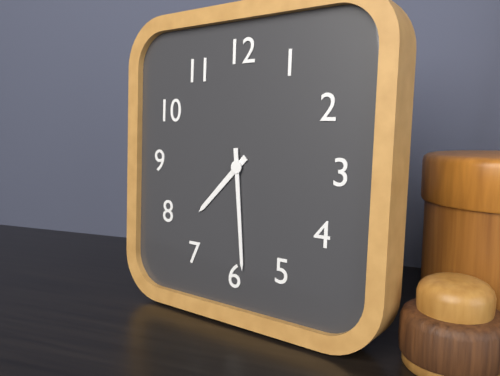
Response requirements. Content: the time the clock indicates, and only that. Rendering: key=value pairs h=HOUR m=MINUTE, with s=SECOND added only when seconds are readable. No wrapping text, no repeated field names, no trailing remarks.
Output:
h=7 m=29
